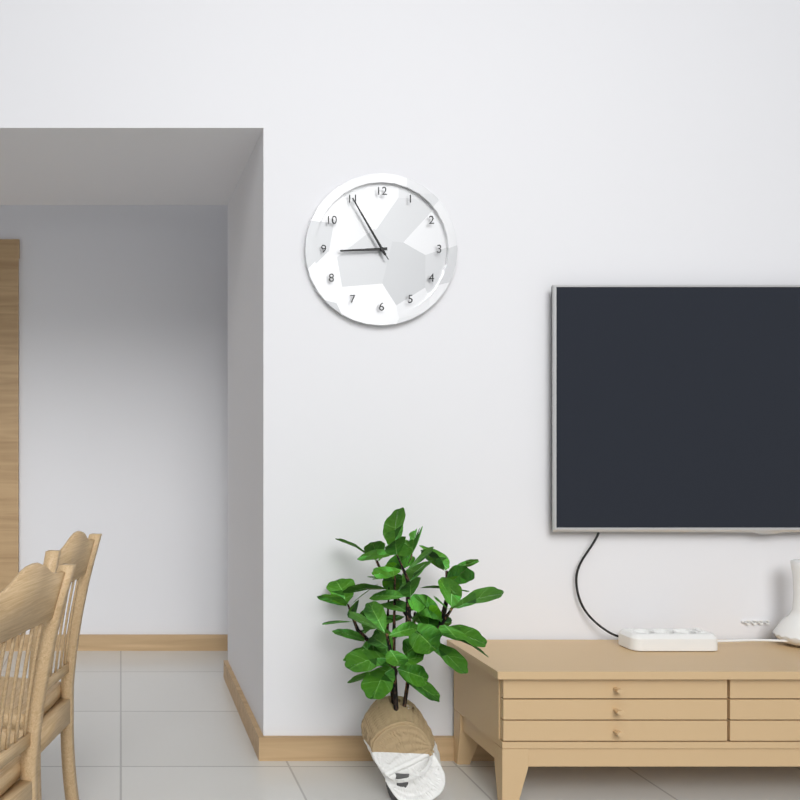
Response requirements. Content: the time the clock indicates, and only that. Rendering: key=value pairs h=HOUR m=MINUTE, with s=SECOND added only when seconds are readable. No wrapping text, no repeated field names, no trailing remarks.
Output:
h=8 m=55 s=55
